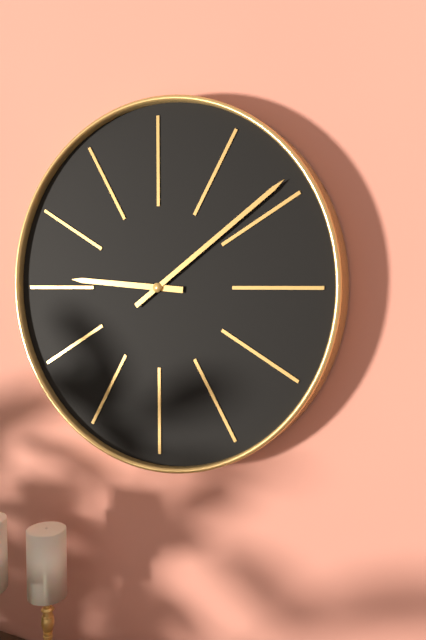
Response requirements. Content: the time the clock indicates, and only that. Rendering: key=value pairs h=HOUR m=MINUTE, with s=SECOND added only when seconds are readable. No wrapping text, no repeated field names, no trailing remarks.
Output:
h=9 m=9
